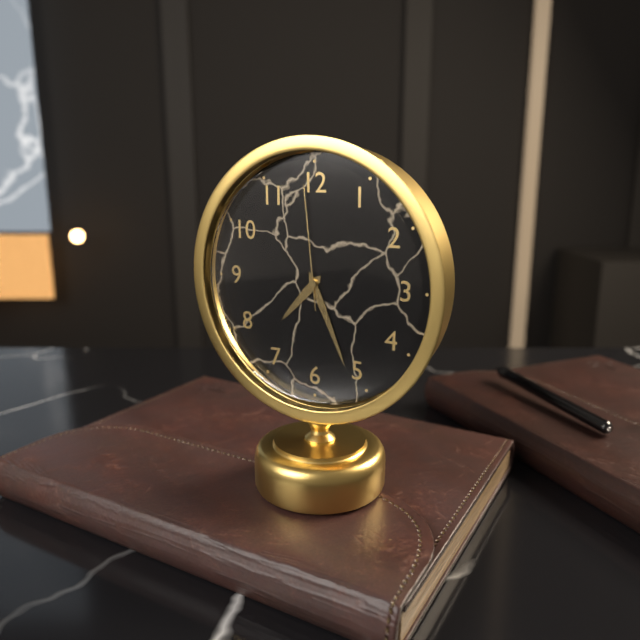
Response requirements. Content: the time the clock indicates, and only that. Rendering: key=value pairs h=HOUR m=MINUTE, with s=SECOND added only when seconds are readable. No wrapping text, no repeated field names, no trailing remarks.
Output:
h=7 m=26 s=59
